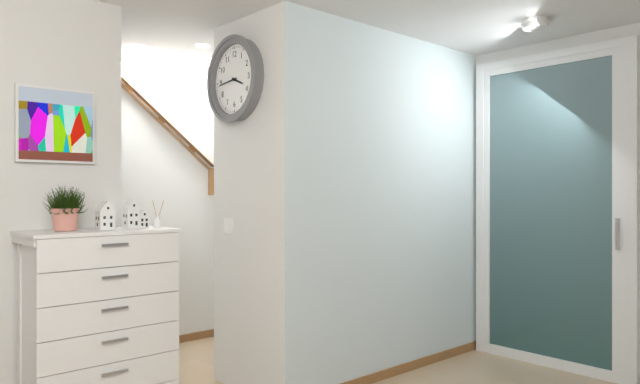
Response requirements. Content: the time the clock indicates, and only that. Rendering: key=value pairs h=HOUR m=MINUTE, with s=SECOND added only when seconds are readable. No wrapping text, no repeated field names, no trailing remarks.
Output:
h=3 m=44
